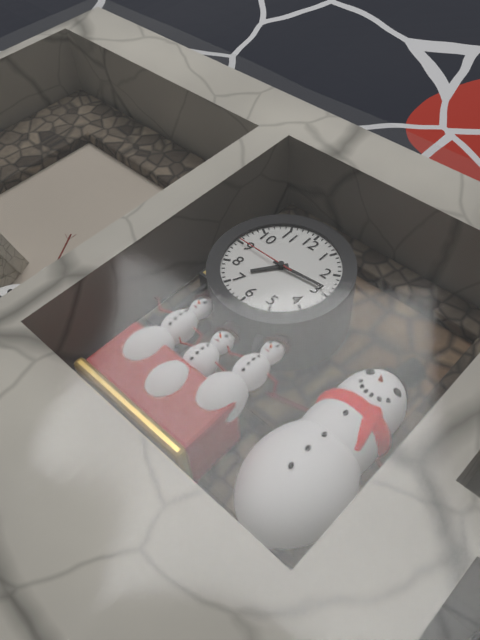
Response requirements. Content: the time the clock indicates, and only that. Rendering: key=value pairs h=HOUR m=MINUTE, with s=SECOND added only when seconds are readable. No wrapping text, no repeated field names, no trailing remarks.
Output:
h=7 m=14 s=45
